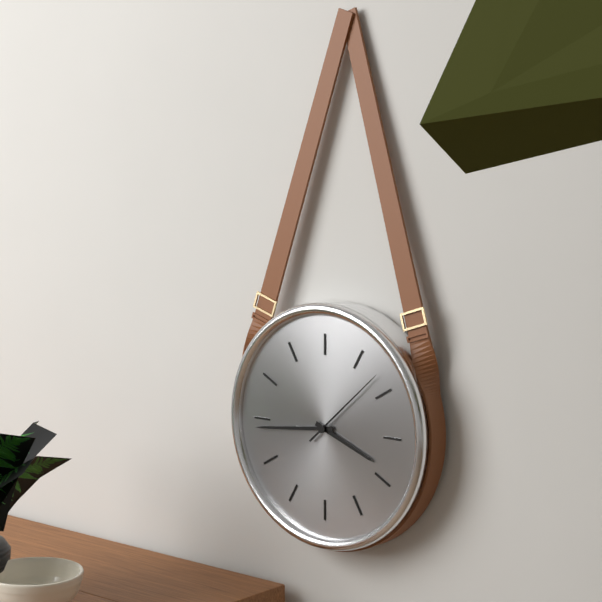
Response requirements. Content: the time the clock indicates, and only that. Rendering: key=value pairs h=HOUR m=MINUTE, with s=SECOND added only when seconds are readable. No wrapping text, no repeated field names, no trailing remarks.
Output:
h=3 m=44 s=8
